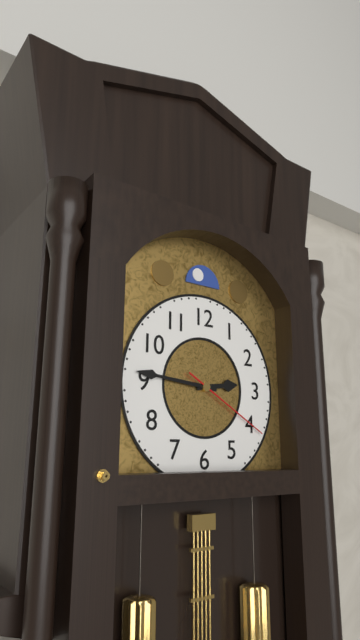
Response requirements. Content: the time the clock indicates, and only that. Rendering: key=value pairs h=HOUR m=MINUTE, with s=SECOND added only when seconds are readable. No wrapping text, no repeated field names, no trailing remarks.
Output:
h=2 m=46 s=20
